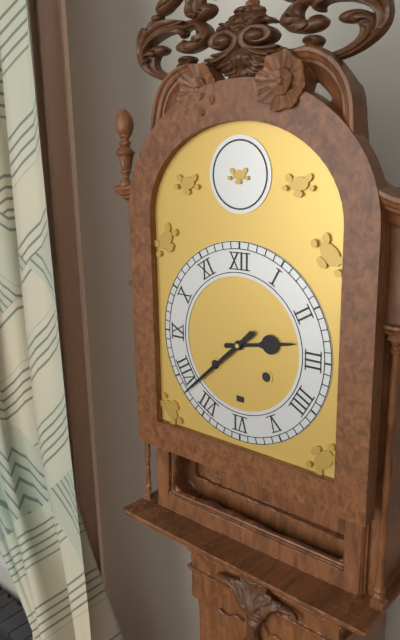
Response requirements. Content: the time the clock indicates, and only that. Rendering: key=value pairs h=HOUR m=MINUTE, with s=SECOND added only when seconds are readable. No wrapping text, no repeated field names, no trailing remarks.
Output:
h=2 m=38
